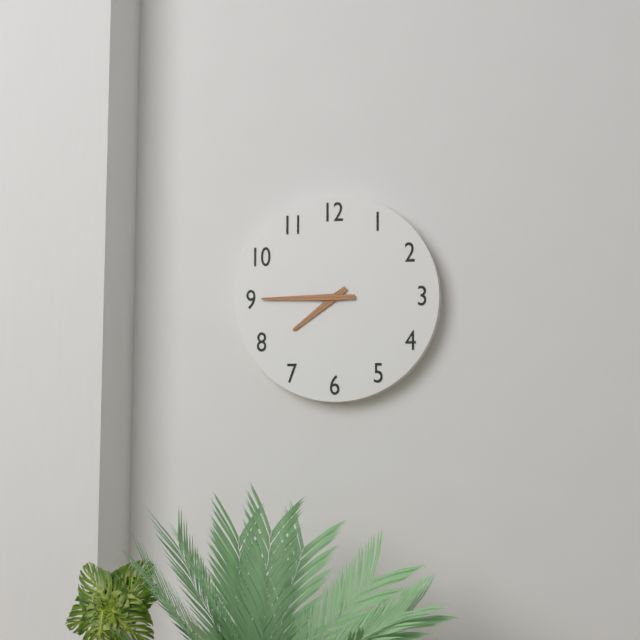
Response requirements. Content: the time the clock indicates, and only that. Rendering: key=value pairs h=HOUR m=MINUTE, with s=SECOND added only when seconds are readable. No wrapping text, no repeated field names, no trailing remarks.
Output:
h=7 m=45
